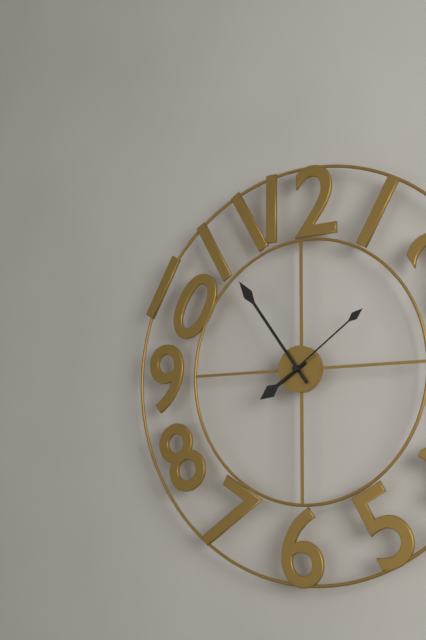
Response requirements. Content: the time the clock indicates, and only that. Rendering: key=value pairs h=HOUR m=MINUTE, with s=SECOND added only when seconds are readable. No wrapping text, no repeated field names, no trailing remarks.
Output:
h=7 m=54 s=9
